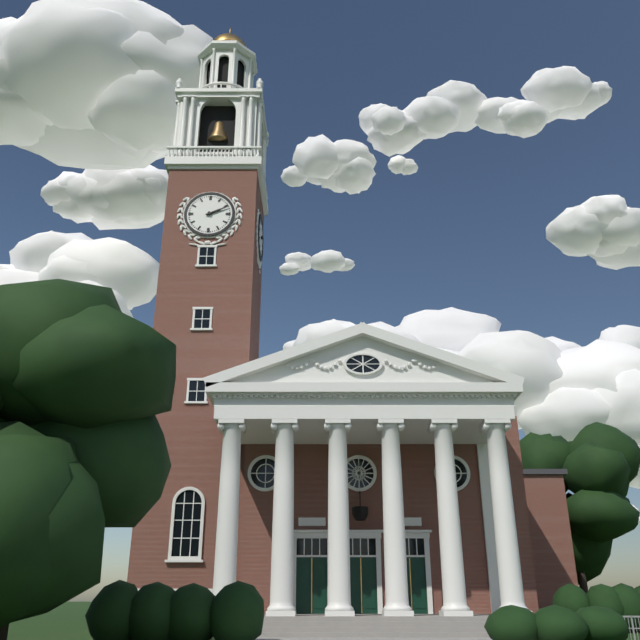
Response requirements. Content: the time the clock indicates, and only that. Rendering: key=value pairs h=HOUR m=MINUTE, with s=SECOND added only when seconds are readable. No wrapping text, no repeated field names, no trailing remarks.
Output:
h=2 m=11
